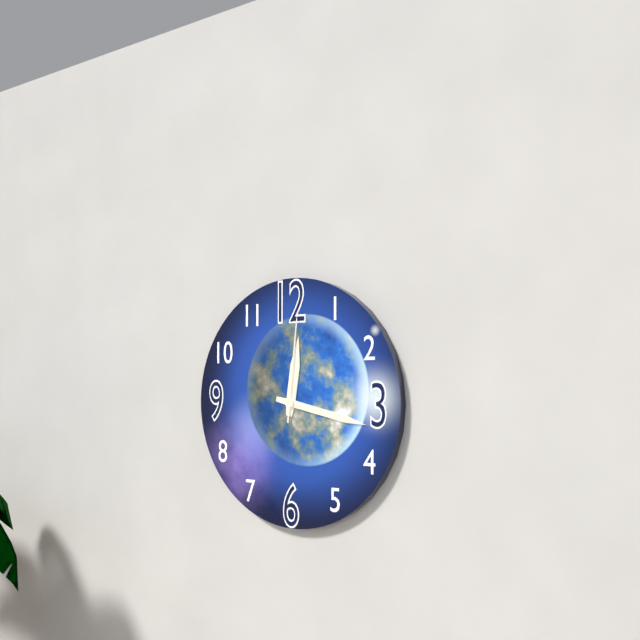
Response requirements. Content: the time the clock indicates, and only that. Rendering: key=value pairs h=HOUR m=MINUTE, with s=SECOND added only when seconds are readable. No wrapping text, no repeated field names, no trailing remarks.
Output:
h=12 m=17 s=1
